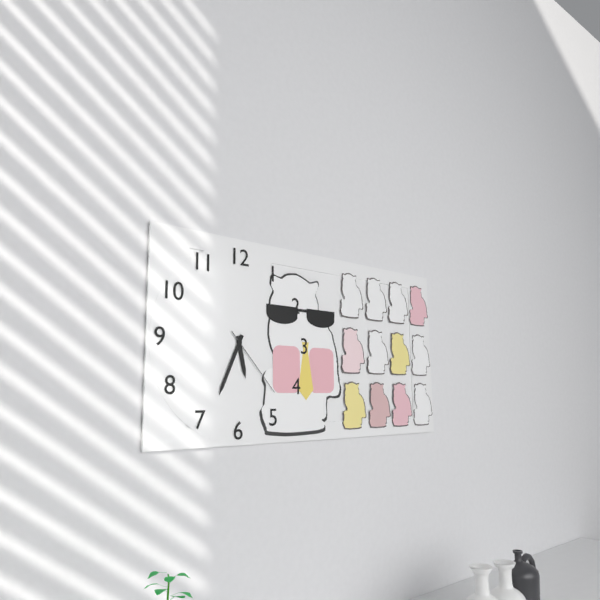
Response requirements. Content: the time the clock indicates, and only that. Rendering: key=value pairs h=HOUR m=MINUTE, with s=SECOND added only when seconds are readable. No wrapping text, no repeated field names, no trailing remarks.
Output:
h=5 m=34 s=23
